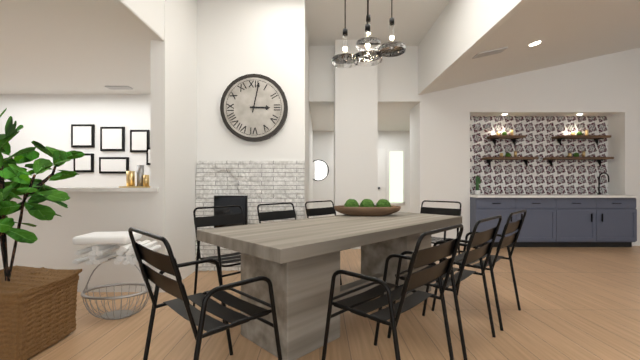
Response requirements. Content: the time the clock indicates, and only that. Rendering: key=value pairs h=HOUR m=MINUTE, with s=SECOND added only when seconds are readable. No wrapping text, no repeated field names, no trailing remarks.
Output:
h=3 m=2
